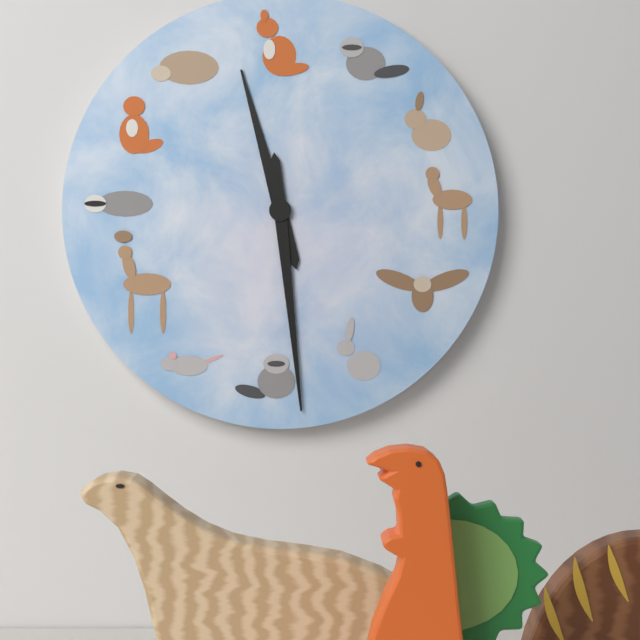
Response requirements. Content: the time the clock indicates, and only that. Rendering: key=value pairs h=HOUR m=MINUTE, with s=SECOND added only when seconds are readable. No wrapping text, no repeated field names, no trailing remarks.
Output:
h=11 m=29
